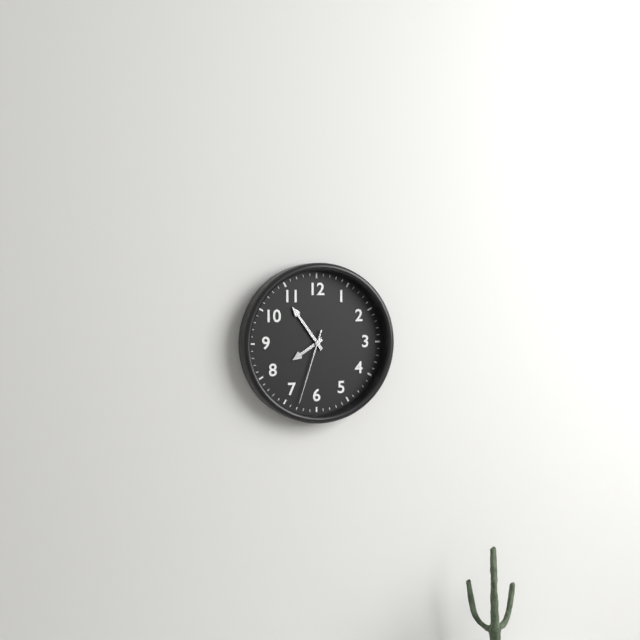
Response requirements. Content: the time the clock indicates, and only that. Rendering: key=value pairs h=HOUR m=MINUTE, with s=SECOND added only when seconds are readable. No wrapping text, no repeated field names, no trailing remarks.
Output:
h=7 m=54 s=33
